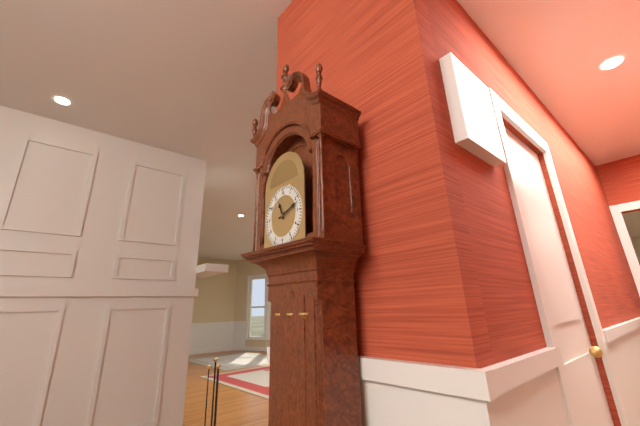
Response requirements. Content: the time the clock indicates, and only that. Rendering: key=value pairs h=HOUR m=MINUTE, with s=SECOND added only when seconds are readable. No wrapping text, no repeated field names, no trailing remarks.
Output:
h=11 m=12
